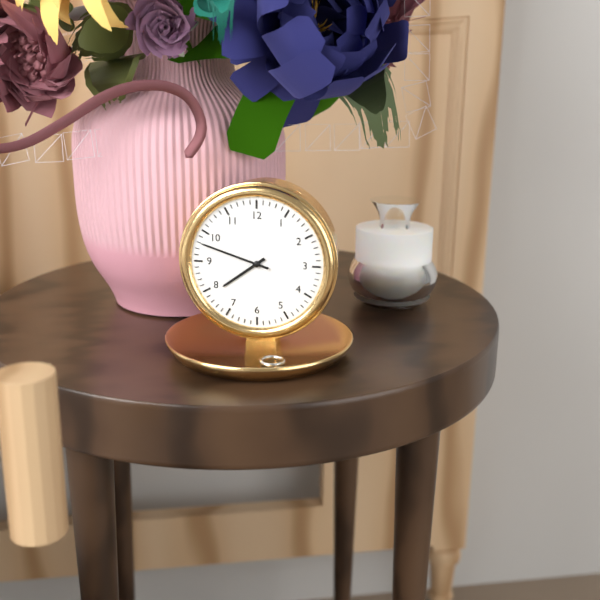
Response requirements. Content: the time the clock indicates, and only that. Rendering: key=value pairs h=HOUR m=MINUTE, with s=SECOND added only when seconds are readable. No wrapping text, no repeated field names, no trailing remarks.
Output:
h=7 m=48
